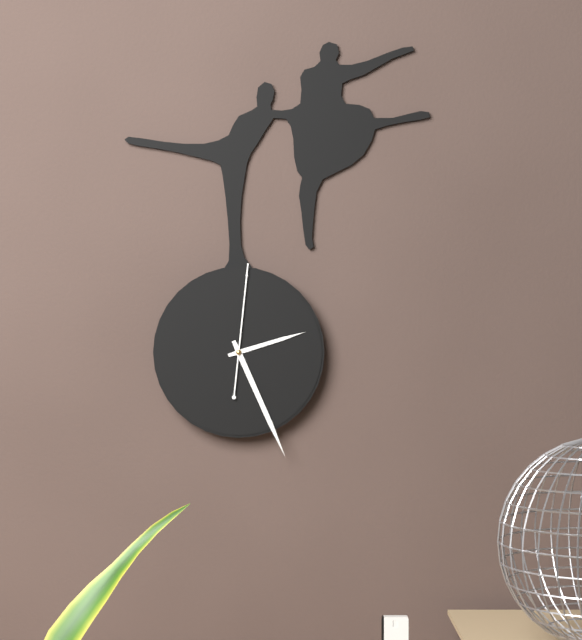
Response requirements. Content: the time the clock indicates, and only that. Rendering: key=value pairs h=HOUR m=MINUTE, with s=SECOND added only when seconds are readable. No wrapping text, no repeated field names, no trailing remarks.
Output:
h=2 m=26 s=1
